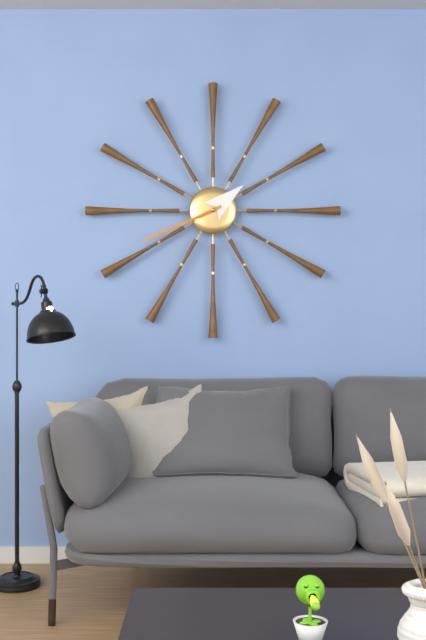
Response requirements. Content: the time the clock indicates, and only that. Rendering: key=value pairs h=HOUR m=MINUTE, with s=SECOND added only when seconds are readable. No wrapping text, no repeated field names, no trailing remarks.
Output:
h=1 m=41
